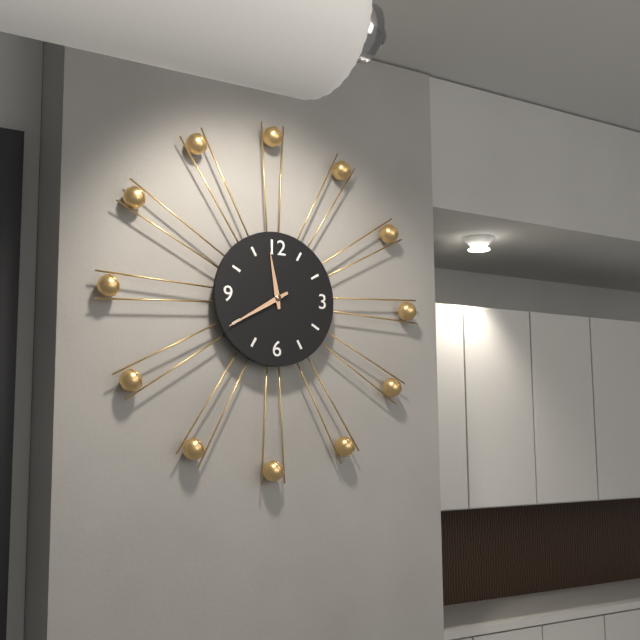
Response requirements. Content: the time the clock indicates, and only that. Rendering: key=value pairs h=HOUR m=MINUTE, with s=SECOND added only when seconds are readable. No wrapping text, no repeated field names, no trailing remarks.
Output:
h=11 m=40
